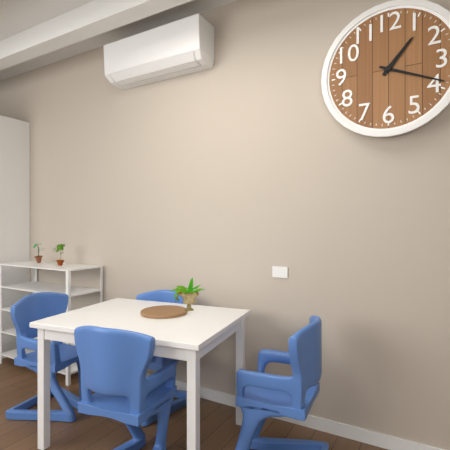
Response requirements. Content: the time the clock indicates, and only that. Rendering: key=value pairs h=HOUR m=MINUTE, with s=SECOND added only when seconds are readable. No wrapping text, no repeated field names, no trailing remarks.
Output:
h=1 m=19
